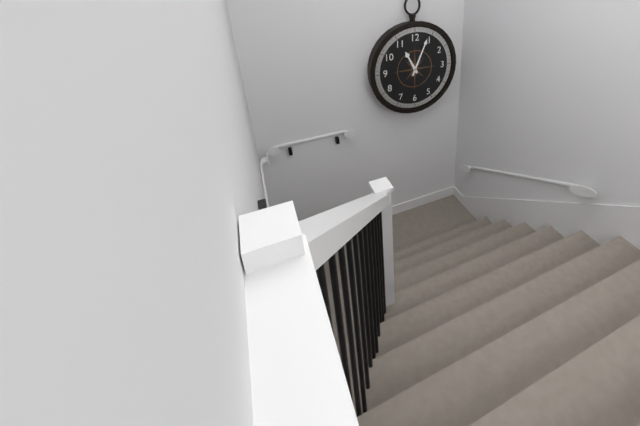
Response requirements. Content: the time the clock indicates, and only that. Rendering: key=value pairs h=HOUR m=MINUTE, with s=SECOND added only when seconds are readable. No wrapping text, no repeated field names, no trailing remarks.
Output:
h=11 m=4
